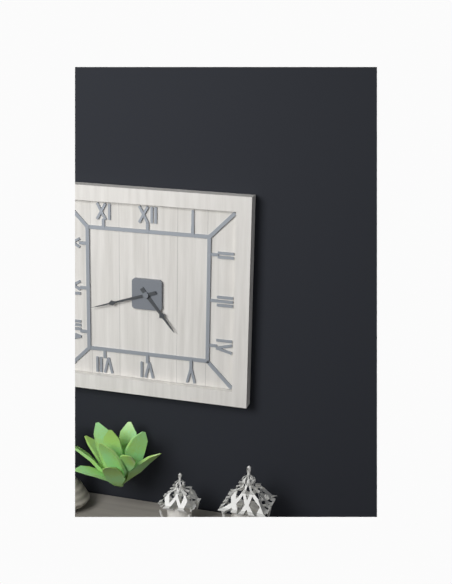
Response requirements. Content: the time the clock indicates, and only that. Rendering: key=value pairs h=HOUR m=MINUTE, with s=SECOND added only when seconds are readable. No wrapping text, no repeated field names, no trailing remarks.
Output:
h=4 m=42
